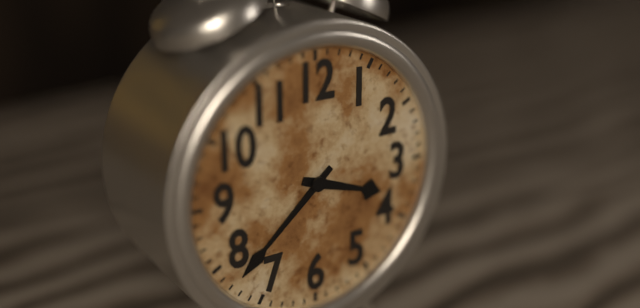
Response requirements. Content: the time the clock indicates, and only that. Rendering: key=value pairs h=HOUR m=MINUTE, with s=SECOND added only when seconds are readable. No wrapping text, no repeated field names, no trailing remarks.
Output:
h=3 m=38
